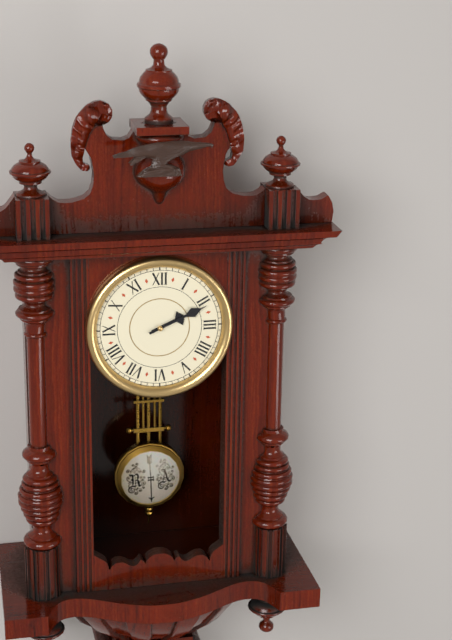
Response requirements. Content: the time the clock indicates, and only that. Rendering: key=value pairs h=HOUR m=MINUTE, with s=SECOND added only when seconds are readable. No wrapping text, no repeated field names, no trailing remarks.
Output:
h=2 m=11
